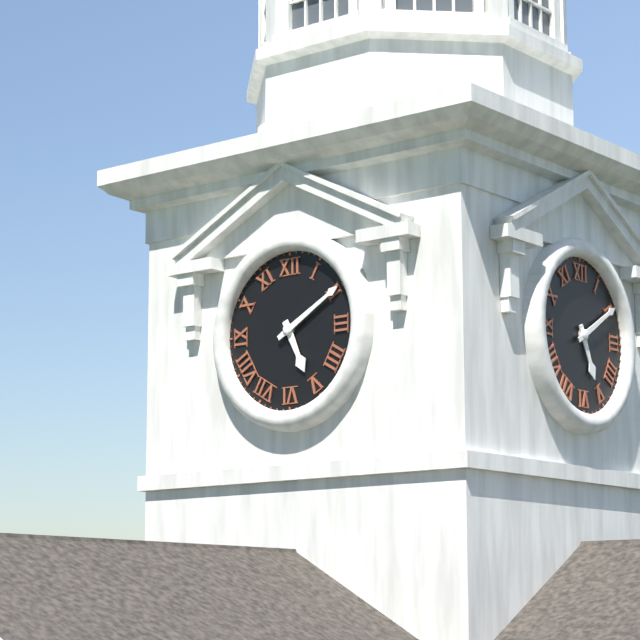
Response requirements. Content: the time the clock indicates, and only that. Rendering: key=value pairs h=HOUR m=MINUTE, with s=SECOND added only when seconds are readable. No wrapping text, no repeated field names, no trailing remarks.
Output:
h=5 m=10
